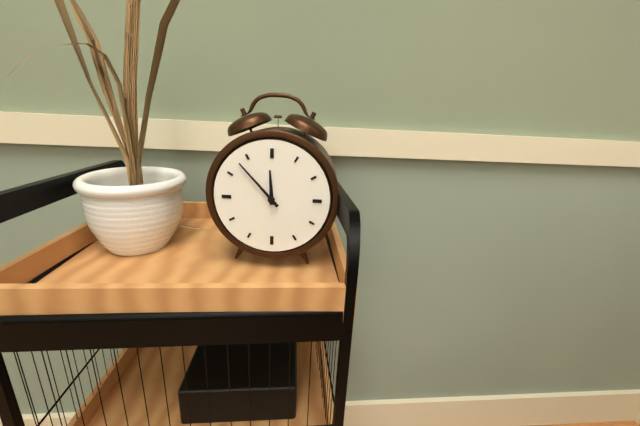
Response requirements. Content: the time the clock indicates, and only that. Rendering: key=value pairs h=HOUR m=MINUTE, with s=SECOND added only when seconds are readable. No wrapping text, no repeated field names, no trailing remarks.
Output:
h=11 m=53
